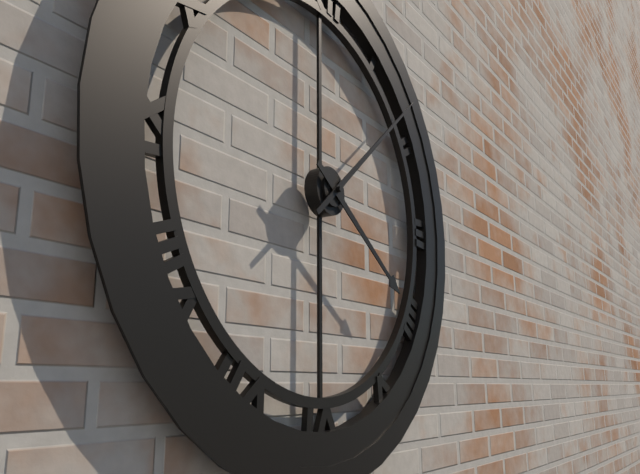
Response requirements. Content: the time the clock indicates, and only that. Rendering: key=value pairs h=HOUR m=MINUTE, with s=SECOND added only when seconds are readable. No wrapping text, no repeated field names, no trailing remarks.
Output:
h=4 m=8
